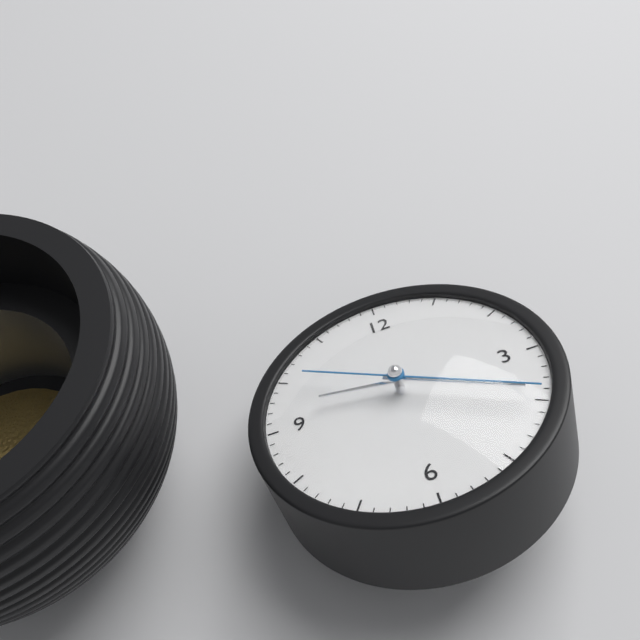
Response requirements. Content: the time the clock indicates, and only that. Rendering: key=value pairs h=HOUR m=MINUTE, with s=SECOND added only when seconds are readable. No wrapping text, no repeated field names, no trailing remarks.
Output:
h=9 m=20 s=20
